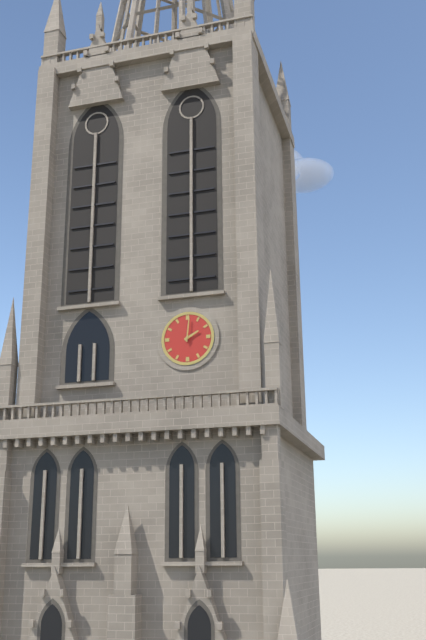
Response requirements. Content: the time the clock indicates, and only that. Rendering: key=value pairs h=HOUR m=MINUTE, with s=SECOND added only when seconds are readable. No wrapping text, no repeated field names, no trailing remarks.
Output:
h=2 m=1
